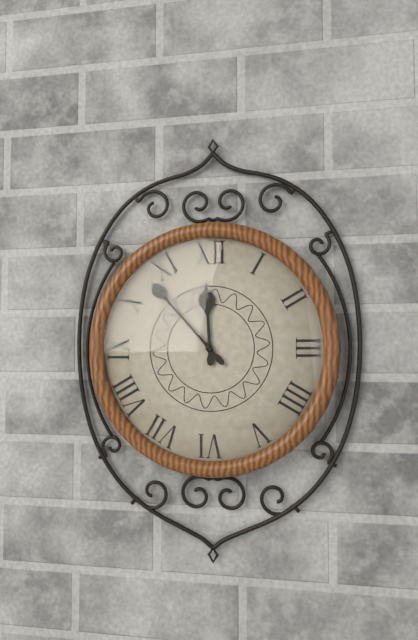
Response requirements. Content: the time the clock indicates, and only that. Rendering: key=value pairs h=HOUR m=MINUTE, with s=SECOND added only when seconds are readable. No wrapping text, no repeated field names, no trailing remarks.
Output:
h=11 m=53
